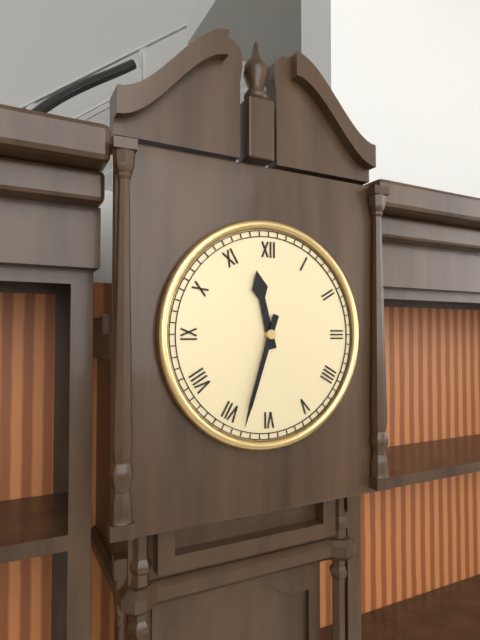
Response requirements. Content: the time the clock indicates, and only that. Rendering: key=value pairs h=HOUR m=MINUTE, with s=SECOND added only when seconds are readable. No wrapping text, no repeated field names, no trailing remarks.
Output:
h=11 m=33
